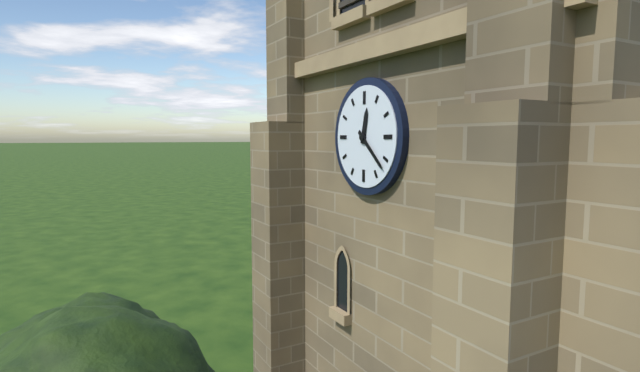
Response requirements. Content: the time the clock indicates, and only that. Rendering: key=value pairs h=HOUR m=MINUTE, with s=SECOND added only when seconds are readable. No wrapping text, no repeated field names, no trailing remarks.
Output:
h=12 m=22
